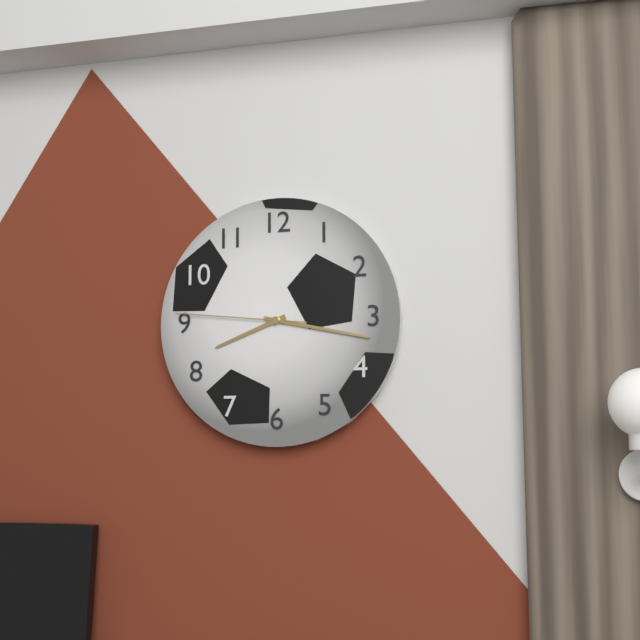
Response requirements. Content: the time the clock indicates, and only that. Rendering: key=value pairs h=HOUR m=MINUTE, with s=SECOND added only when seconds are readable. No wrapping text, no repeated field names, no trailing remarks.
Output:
h=8 m=17 s=46
